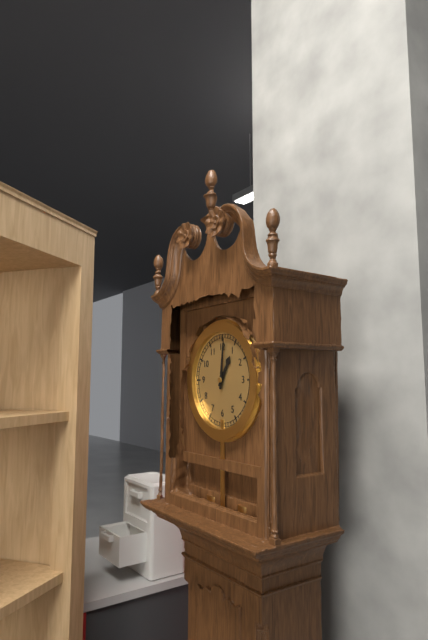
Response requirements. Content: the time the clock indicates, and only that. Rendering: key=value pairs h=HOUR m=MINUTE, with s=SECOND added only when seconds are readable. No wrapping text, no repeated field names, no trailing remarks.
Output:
h=1 m=1
